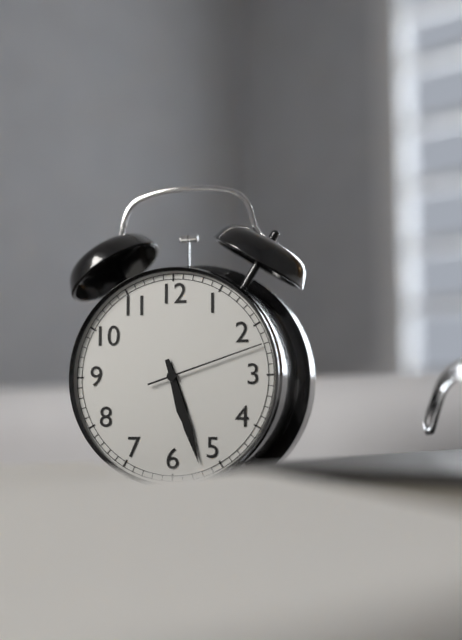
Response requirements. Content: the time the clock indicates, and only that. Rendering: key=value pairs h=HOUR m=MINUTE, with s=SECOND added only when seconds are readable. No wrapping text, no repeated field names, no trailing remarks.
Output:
h=5 m=27 s=12
